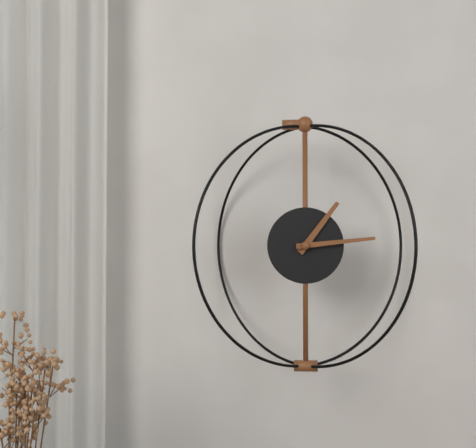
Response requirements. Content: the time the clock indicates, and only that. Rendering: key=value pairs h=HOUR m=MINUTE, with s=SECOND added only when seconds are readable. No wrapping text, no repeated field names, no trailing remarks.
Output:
h=1 m=14
